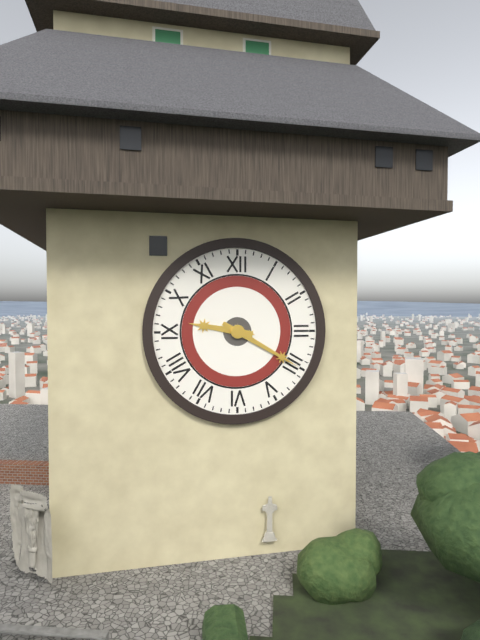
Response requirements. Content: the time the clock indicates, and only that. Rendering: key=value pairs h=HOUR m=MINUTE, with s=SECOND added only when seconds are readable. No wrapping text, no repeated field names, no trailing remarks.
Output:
h=9 m=20
